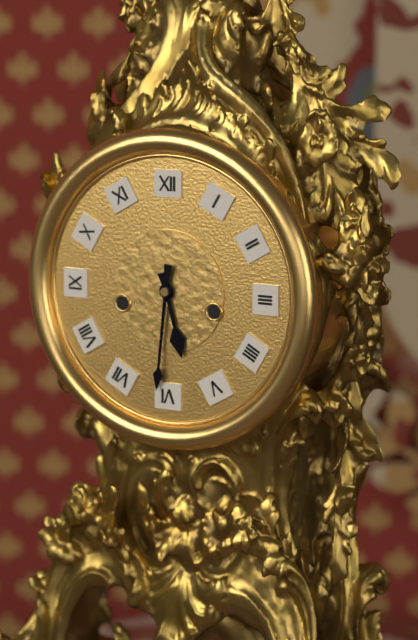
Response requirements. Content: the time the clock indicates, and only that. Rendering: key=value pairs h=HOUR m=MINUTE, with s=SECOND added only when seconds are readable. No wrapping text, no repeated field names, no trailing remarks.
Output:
h=5 m=31
